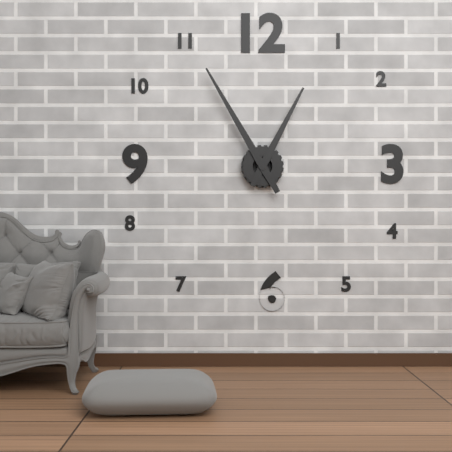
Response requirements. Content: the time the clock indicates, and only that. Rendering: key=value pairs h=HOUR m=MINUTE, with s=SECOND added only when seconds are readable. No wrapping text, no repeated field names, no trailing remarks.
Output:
h=12 m=55
